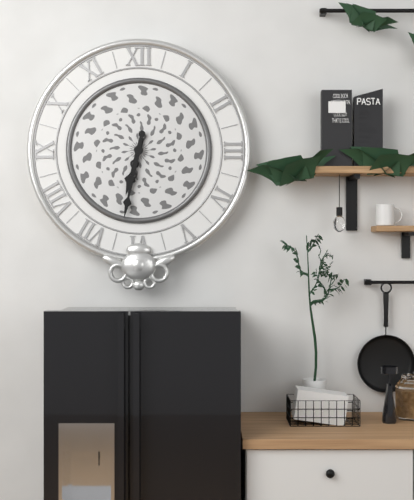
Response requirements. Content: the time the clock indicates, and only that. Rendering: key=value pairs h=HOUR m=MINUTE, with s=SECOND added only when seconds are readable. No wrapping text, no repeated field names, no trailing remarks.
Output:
h=6 m=32
